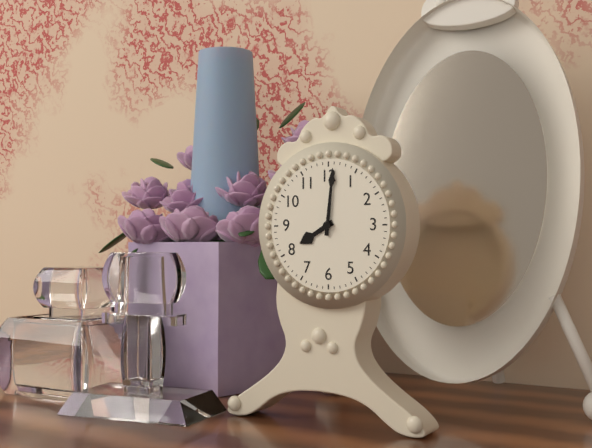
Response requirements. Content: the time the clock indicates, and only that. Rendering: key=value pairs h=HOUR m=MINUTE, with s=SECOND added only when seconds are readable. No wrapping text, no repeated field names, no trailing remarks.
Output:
h=8 m=1
